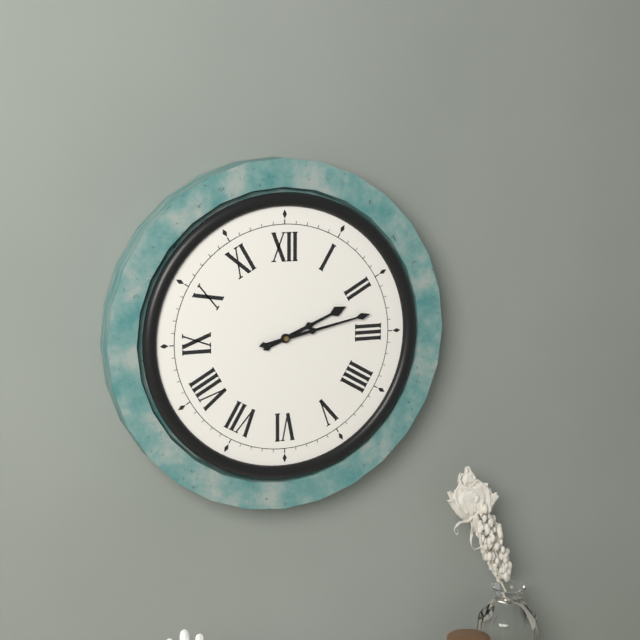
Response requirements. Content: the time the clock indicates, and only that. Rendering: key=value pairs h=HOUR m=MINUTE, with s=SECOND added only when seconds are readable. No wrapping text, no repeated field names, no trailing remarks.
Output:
h=2 m=13
